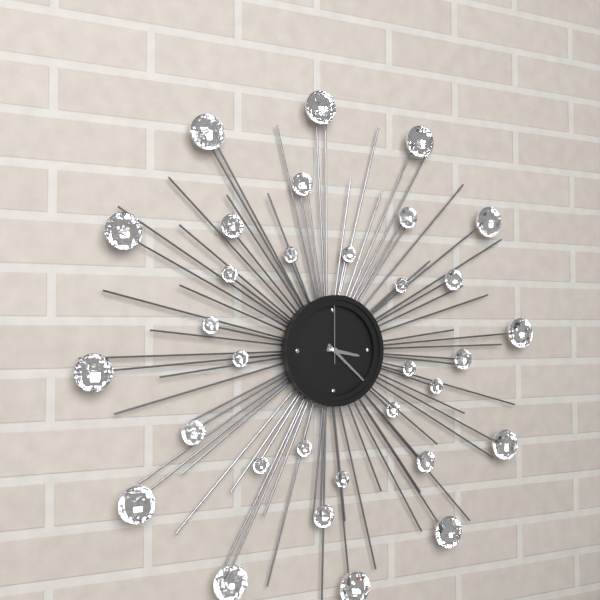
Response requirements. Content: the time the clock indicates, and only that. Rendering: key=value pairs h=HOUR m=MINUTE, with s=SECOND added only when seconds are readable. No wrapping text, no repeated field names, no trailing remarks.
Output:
h=3 m=22 s=0
